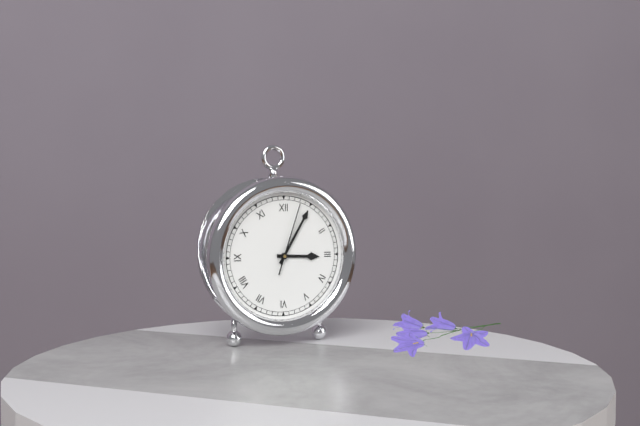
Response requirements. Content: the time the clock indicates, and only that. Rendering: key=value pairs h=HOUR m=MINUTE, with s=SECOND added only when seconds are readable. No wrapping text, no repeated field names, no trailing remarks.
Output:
h=3 m=5 s=3
